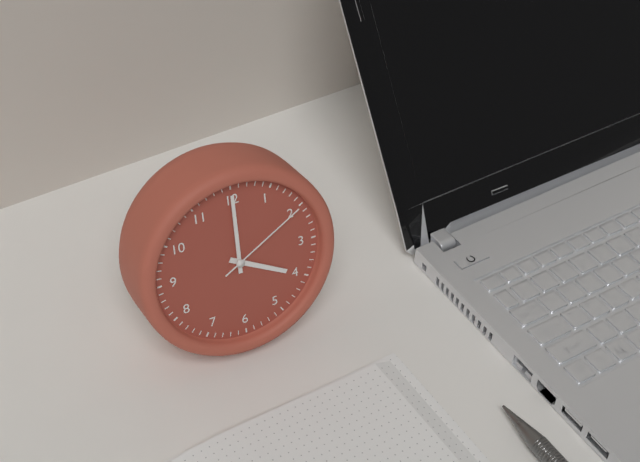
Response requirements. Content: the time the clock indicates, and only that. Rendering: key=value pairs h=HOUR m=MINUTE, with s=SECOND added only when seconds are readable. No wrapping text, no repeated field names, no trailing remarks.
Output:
h=4 m=0 s=10
